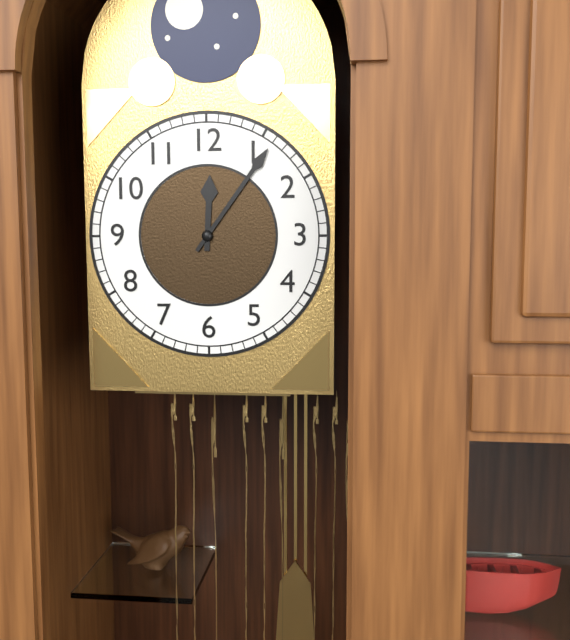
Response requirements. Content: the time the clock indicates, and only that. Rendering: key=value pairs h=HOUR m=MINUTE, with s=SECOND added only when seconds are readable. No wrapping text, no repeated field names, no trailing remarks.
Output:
h=12 m=6
